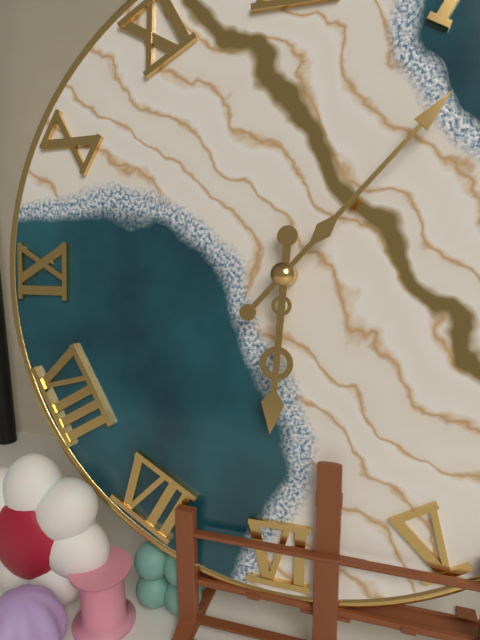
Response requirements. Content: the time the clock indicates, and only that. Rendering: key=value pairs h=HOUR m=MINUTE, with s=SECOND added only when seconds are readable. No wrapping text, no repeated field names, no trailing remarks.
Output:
h=6 m=7
